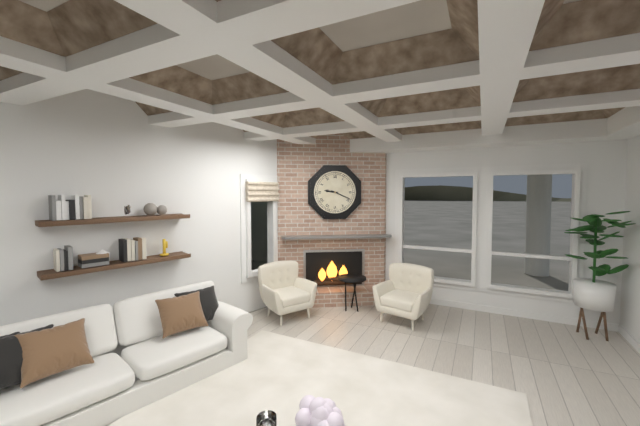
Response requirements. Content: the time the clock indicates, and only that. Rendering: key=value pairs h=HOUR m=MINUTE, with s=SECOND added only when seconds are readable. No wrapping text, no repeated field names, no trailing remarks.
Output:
h=9 m=19
